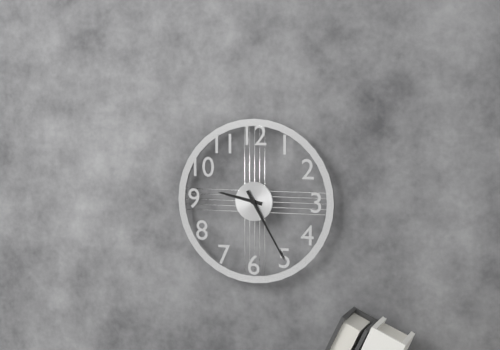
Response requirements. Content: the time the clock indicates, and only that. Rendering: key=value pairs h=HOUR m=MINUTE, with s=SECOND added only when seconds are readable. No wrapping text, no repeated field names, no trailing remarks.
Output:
h=9 m=25
